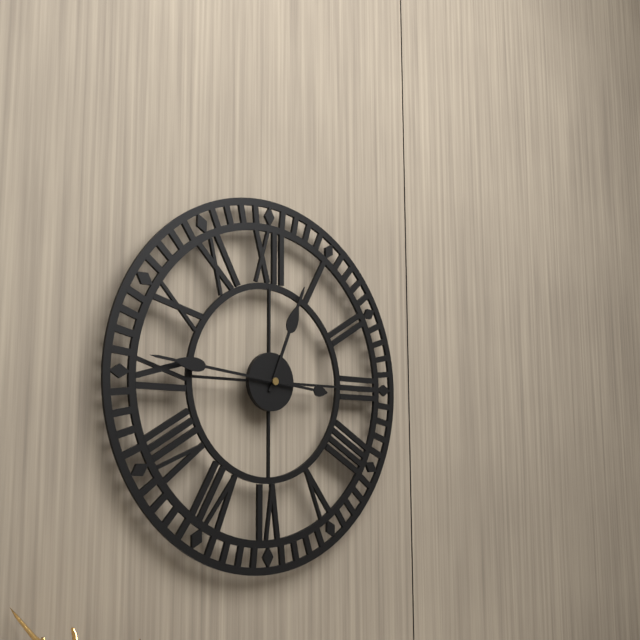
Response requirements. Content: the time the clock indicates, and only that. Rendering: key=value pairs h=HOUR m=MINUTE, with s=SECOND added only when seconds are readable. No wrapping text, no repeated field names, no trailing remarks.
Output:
h=12 m=46
